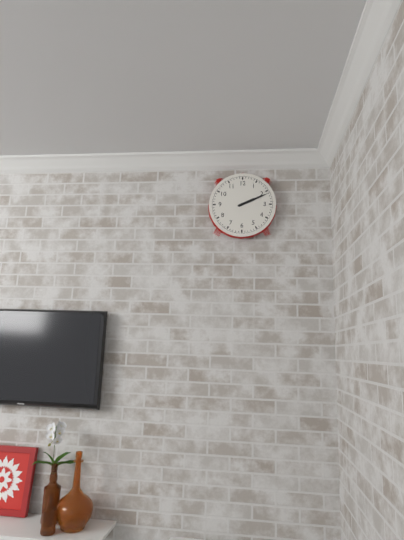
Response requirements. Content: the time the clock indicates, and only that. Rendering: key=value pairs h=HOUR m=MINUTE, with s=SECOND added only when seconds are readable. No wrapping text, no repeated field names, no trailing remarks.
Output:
h=2 m=11
